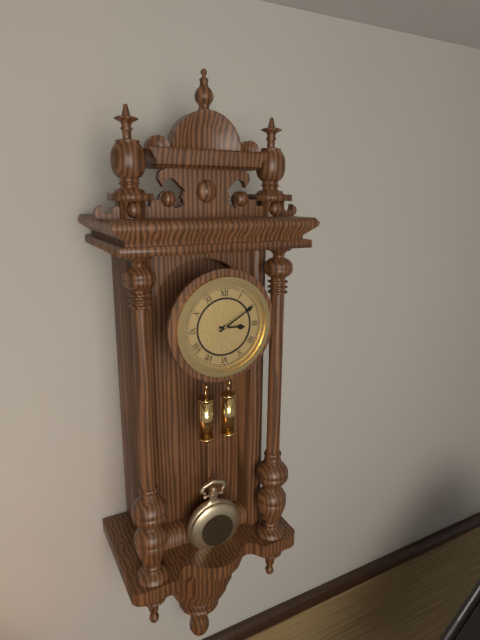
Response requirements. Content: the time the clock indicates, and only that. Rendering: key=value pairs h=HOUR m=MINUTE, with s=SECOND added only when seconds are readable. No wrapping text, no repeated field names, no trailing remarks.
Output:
h=3 m=10
